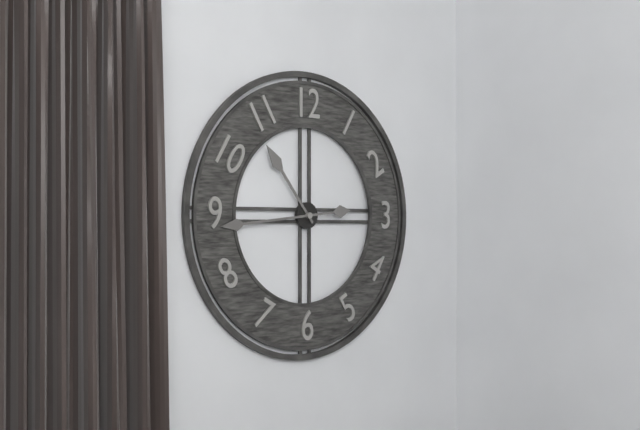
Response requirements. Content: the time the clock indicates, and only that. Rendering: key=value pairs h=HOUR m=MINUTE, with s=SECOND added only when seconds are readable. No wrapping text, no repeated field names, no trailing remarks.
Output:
h=10 m=44
